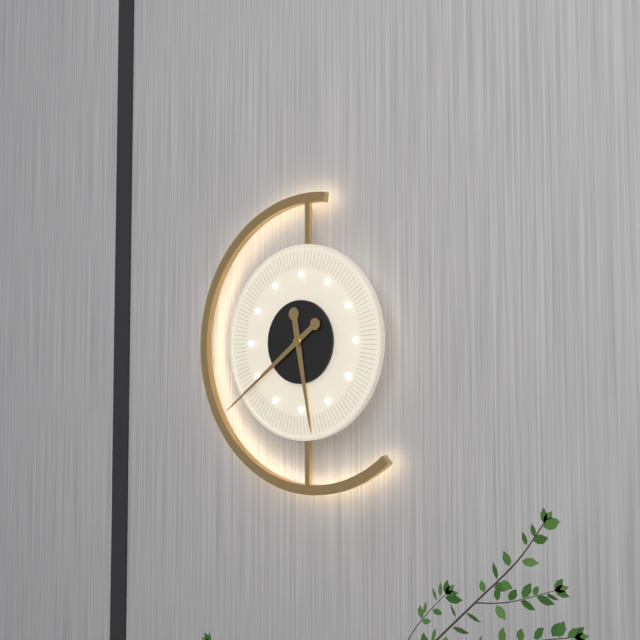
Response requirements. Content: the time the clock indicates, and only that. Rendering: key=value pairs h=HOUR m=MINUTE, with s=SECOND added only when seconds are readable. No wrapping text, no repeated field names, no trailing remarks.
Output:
h=5 m=39
